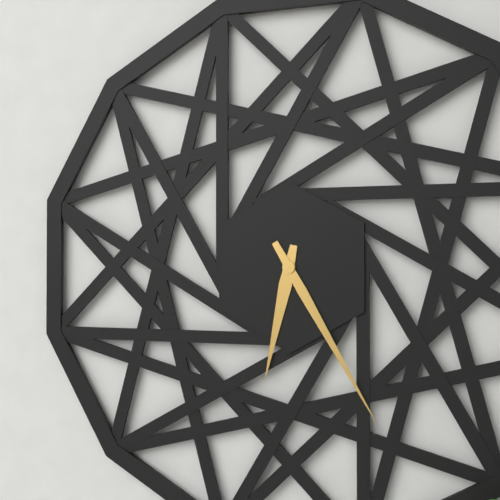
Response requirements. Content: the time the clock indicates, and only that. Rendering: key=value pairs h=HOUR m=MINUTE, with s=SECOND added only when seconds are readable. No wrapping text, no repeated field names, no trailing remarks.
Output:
h=6 m=25
